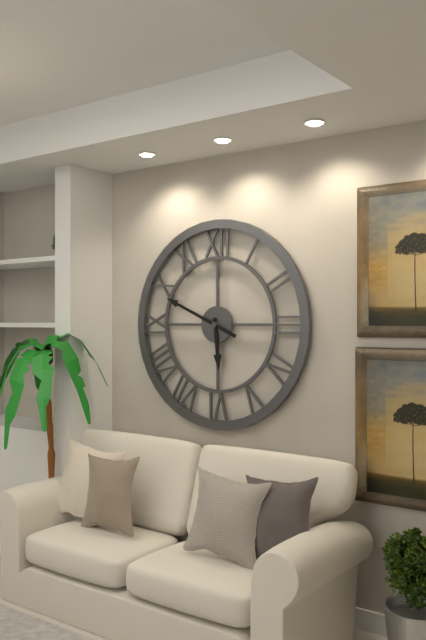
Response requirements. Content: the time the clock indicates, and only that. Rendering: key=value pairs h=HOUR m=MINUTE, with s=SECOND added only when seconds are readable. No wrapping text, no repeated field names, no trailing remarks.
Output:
h=5 m=49
